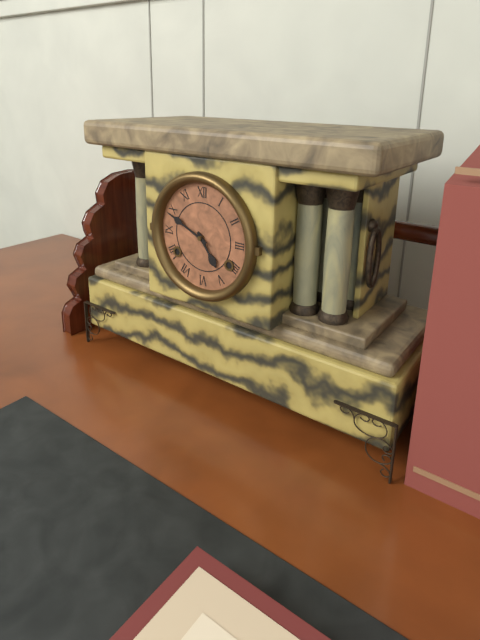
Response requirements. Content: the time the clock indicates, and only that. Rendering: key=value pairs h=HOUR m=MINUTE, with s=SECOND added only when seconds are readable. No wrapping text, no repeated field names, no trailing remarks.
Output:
h=4 m=49
